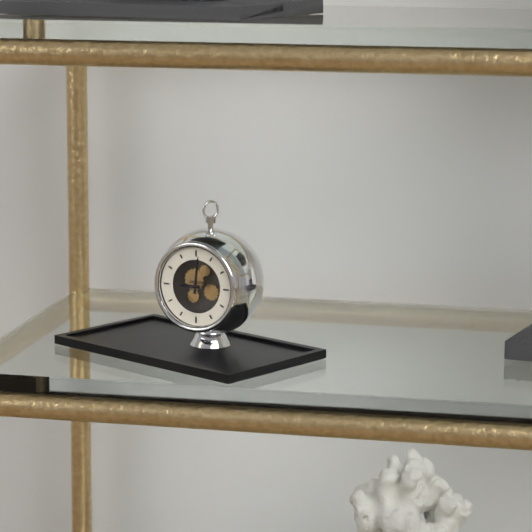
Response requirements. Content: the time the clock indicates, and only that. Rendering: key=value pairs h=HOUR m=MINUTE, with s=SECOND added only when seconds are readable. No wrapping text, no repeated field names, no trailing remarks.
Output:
h=9 m=1
